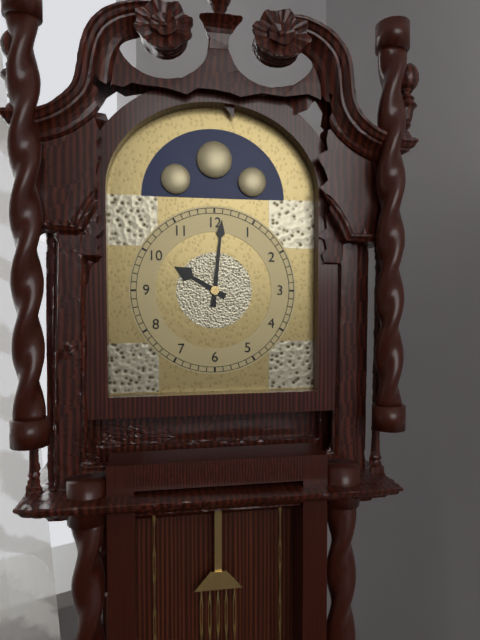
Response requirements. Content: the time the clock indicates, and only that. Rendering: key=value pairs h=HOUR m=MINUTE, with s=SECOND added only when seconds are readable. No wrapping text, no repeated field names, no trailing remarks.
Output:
h=10 m=1
